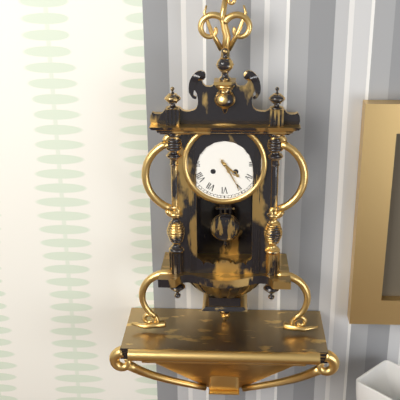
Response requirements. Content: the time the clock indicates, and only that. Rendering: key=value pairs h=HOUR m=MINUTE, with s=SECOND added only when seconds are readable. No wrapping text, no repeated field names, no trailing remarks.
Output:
h=4 m=25
